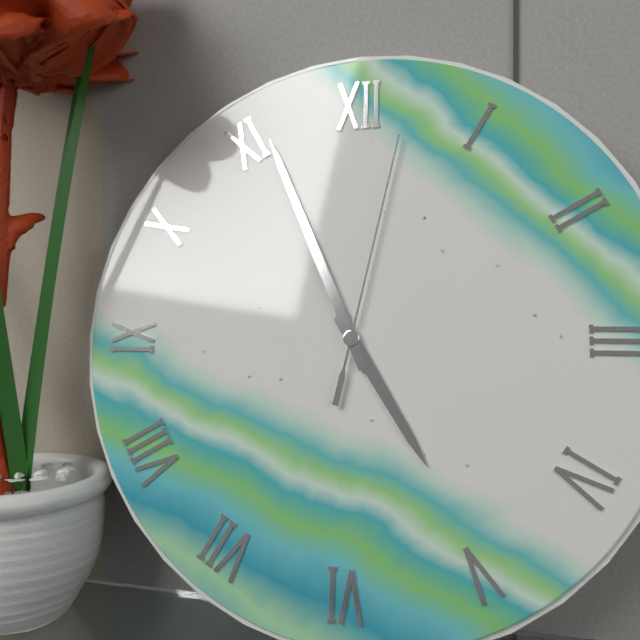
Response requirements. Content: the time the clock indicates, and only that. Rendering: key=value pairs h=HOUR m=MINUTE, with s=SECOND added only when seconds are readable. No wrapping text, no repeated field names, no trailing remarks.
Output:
h=4 m=56 s=2
